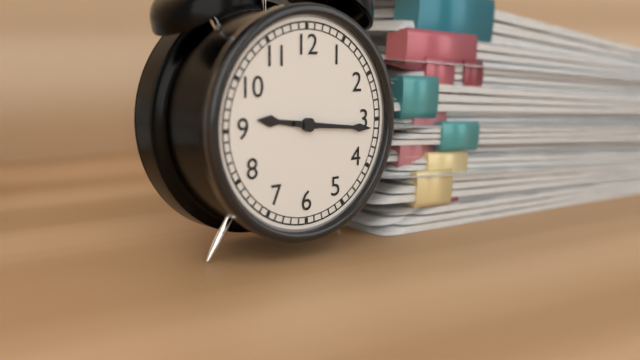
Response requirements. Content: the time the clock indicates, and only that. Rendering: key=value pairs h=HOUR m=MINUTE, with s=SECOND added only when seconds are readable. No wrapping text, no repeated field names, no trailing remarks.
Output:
h=9 m=16
